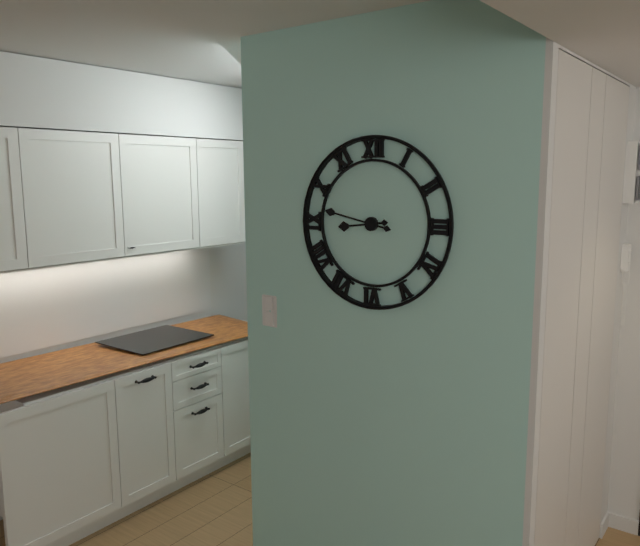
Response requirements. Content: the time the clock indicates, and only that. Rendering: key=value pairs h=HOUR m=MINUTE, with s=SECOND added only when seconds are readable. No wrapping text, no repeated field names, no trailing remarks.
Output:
h=8 m=47
